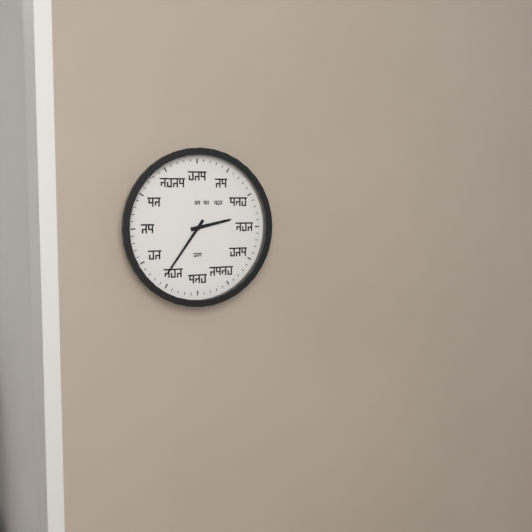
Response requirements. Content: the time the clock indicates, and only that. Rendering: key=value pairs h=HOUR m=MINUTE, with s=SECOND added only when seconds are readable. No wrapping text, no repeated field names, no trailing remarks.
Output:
h=2 m=36
